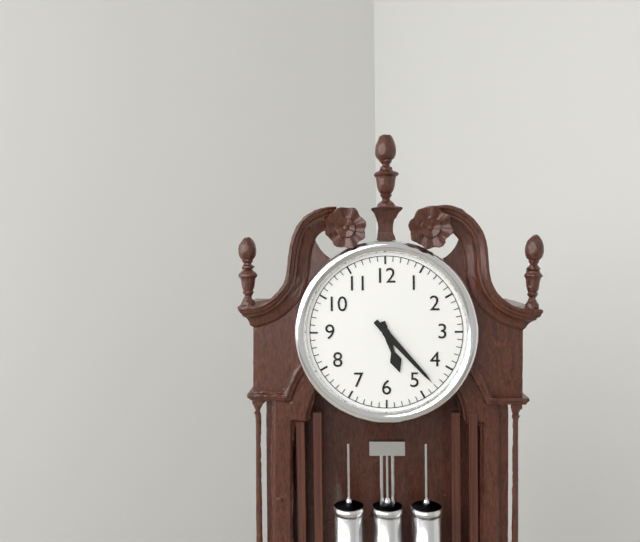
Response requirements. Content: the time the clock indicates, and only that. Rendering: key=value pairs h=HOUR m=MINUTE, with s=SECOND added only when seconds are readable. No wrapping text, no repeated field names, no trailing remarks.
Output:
h=5 m=23
